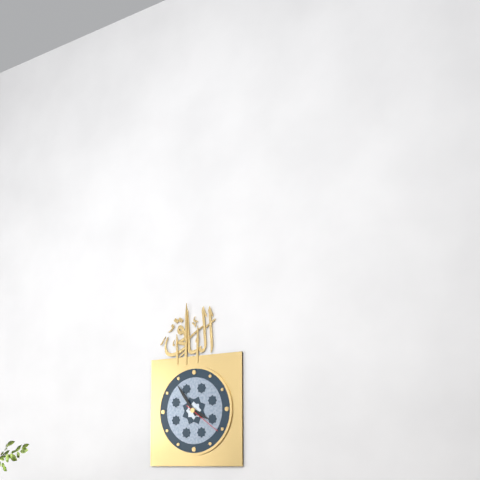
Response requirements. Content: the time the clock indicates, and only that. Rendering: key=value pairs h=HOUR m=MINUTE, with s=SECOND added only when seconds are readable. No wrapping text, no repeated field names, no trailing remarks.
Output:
h=3 m=54
